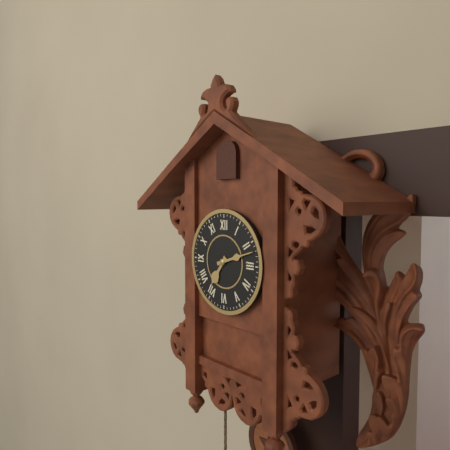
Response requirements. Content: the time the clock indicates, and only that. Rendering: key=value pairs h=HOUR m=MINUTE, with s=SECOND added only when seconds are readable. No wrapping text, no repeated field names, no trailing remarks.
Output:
h=7 m=12
